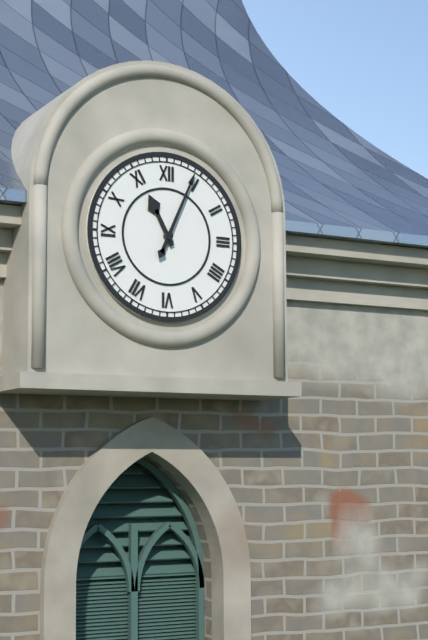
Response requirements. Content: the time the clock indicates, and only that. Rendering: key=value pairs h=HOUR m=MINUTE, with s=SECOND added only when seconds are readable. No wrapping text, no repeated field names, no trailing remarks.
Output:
h=11 m=4
